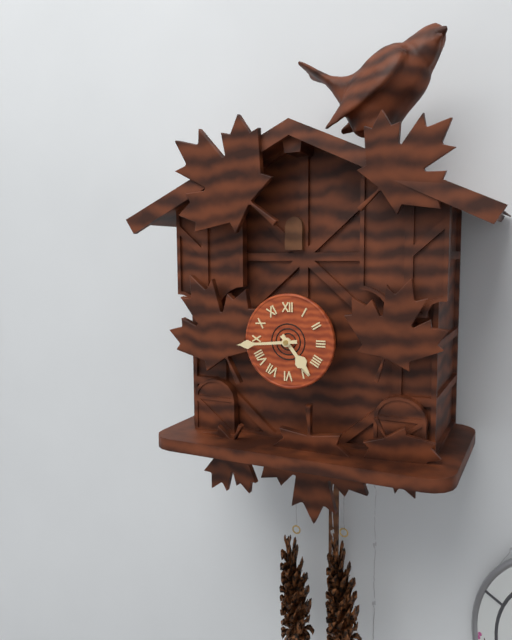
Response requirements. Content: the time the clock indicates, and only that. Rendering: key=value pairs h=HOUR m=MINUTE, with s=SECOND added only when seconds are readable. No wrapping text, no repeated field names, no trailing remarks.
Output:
h=4 m=44
